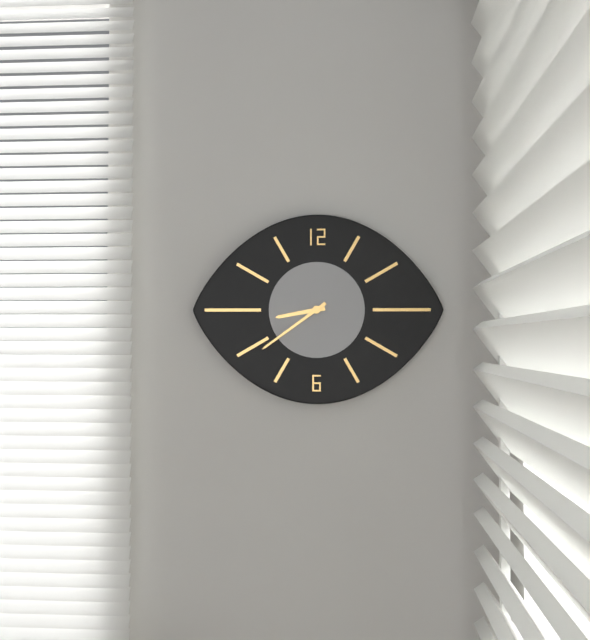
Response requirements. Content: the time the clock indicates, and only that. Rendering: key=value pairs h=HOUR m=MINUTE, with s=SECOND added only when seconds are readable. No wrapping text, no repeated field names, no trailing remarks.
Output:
h=8 m=39
